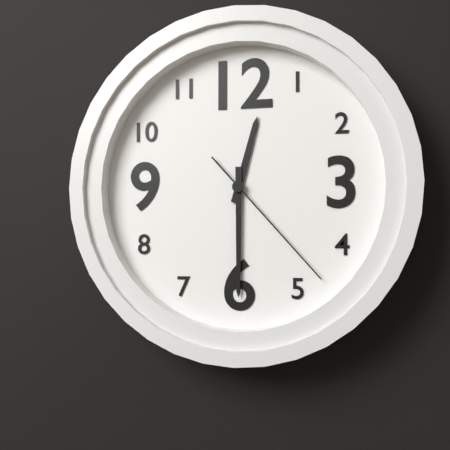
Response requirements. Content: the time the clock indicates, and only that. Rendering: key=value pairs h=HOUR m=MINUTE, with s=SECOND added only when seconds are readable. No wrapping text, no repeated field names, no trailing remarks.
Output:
h=12 m=30 s=23
